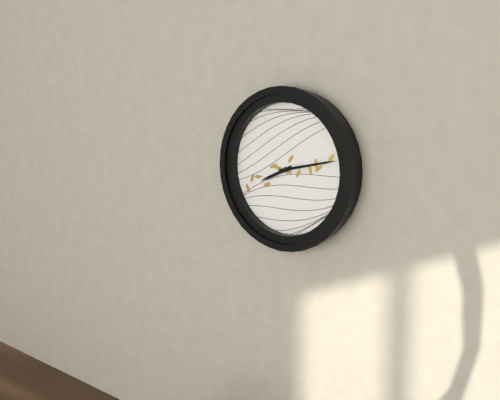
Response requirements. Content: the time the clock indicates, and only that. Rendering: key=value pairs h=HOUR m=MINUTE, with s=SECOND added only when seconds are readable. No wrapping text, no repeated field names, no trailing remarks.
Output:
h=8 m=13
